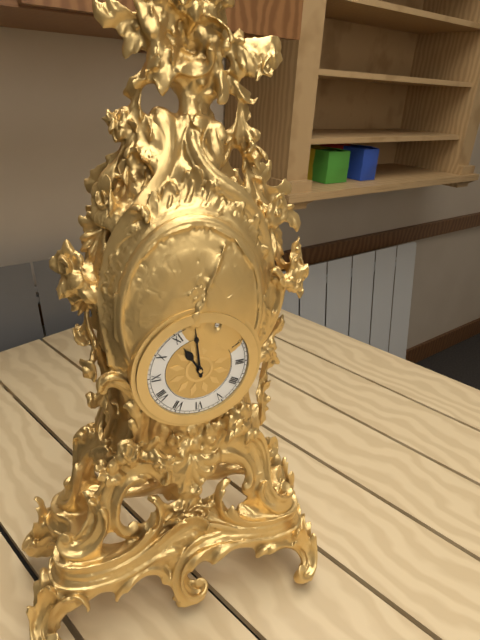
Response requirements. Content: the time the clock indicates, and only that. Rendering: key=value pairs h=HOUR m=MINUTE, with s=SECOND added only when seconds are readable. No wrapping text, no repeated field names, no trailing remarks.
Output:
h=10 m=59
